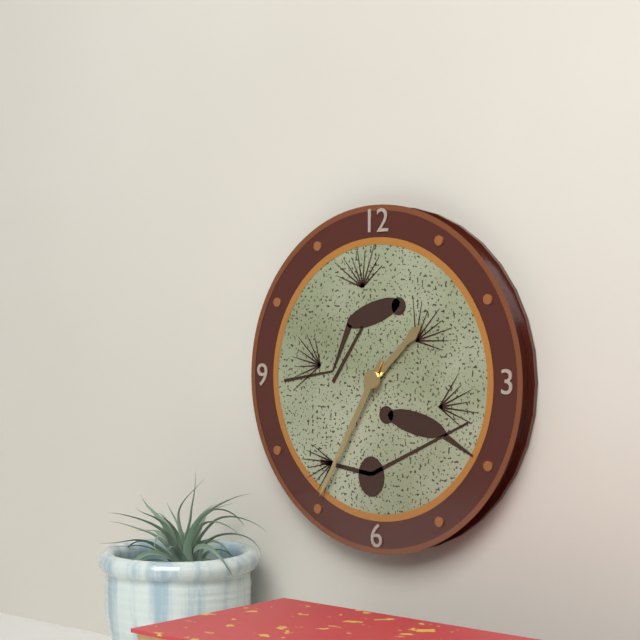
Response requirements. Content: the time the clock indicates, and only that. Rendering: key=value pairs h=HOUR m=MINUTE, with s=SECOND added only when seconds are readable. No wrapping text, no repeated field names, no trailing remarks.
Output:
h=1 m=35
